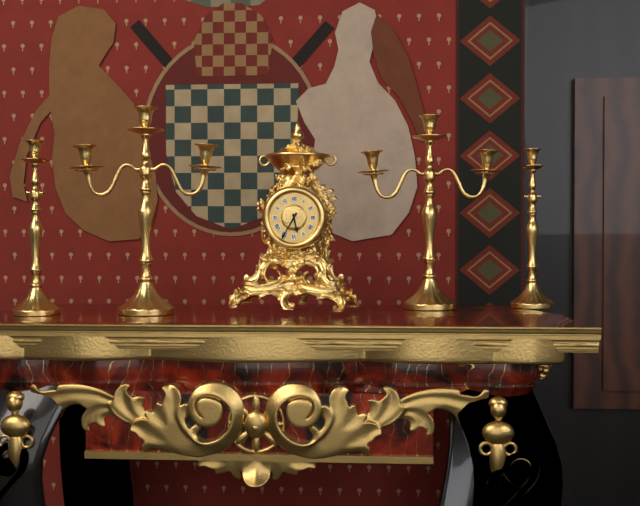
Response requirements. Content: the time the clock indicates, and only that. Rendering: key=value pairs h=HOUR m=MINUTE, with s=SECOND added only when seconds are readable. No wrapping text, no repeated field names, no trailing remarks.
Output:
h=5 m=35
